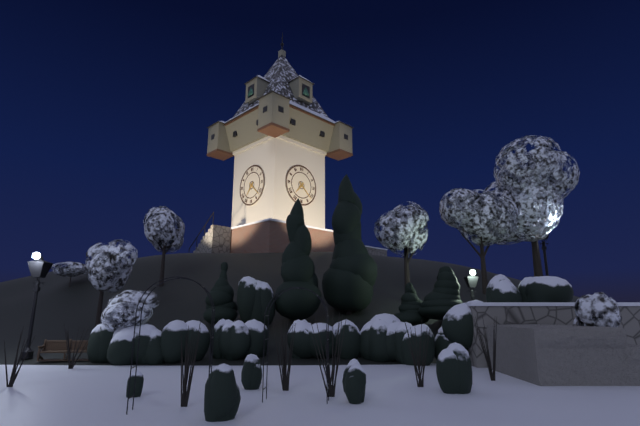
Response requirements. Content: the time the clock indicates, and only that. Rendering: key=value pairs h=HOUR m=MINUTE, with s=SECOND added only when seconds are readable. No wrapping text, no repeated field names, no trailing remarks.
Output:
h=7 m=22
